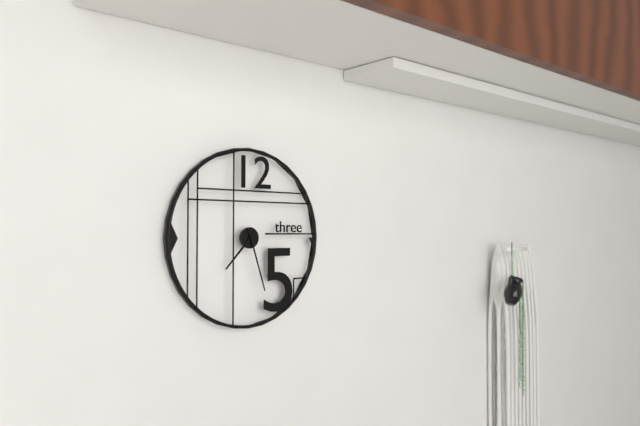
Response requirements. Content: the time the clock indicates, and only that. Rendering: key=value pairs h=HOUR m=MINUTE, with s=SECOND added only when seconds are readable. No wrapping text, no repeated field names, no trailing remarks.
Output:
h=7 m=27
